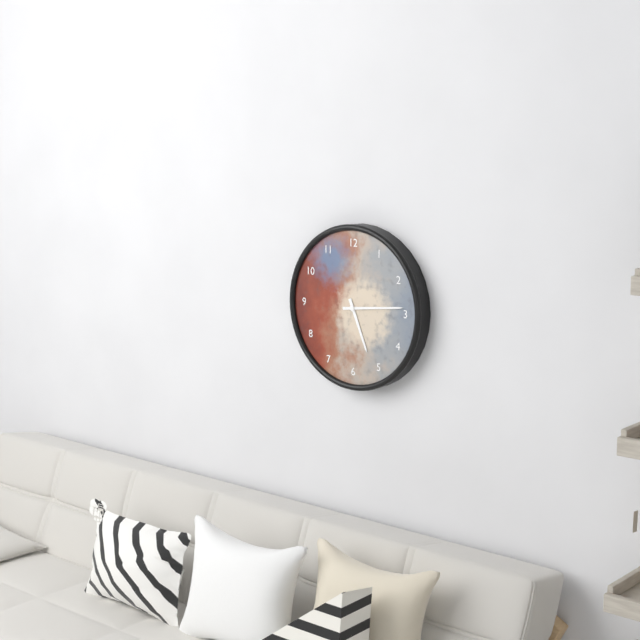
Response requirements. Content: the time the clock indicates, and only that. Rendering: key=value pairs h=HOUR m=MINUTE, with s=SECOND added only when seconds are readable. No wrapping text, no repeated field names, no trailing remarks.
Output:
h=5 m=14
